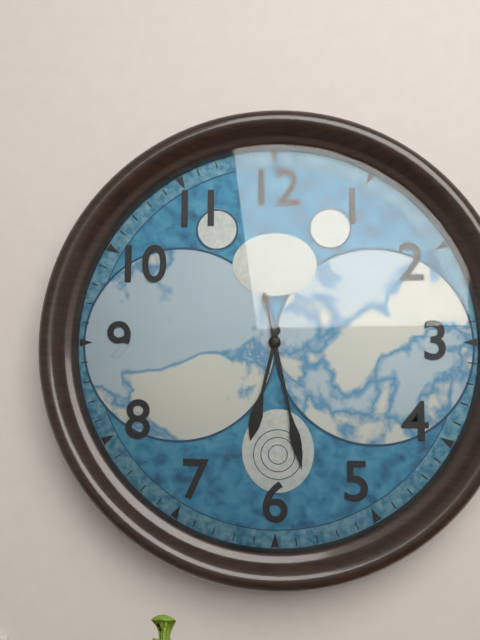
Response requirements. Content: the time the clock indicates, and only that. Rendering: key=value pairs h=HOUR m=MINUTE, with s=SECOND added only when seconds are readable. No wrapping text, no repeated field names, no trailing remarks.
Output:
h=6 m=28
